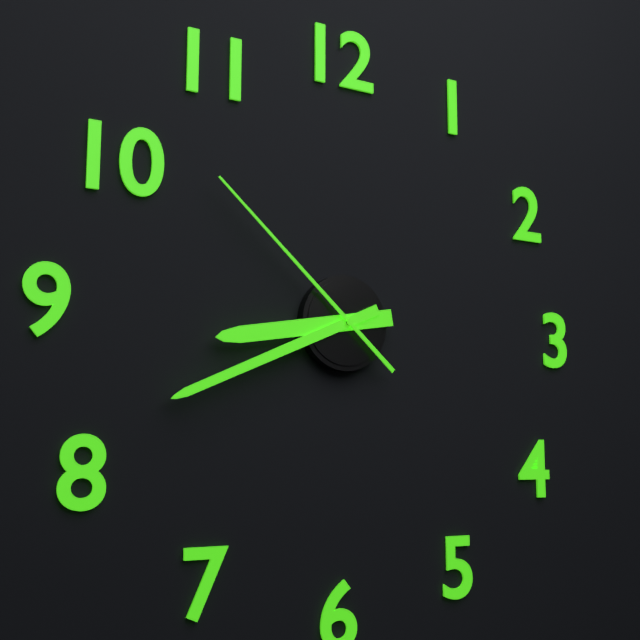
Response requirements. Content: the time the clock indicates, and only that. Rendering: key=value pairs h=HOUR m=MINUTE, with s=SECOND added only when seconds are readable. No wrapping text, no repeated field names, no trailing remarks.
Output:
h=8 m=41 s=52
